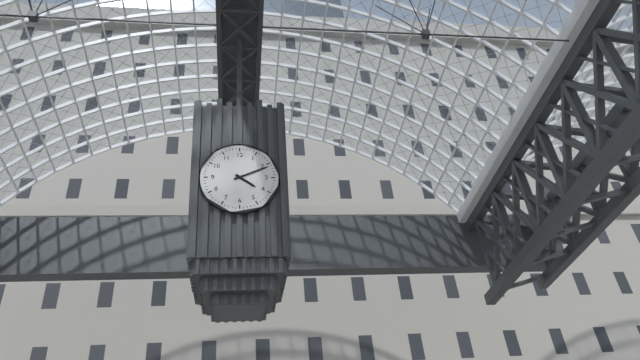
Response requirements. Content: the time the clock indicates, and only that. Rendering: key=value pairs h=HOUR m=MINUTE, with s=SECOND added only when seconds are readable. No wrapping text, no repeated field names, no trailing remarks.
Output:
h=4 m=11
